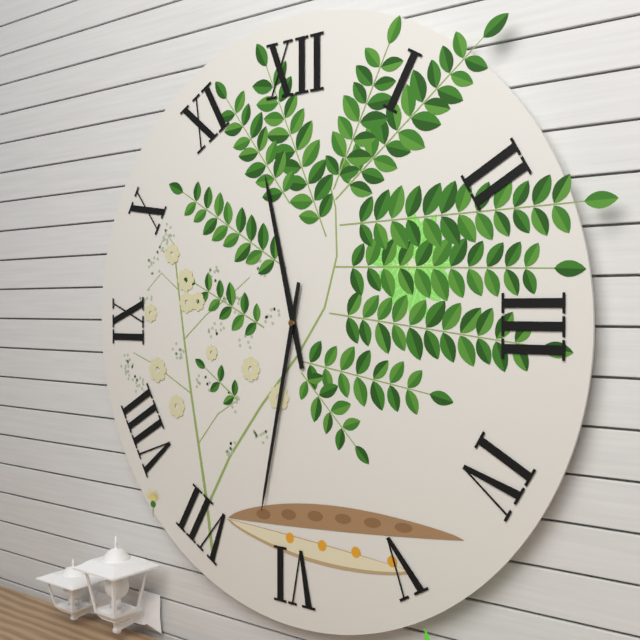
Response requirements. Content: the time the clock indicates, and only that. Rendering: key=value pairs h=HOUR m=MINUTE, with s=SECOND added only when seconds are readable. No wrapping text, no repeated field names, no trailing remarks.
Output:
h=11 m=32
